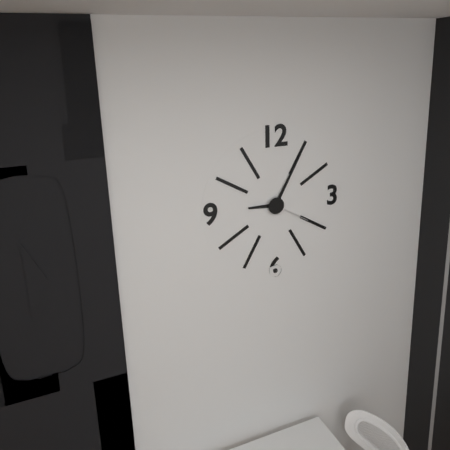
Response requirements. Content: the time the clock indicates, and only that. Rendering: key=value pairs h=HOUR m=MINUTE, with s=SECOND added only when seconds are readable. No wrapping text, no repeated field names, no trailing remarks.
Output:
h=9 m=5
